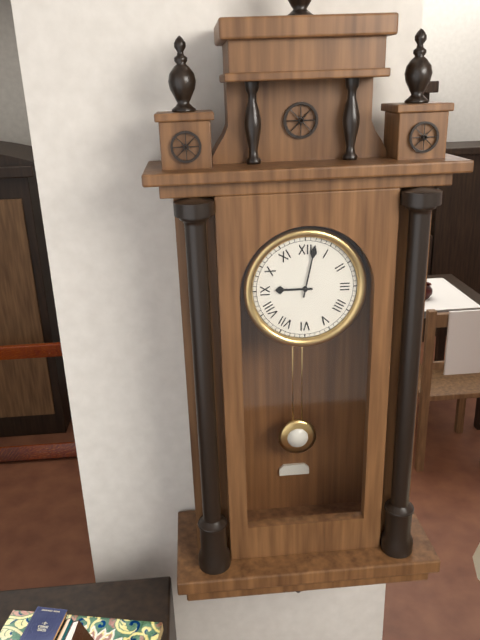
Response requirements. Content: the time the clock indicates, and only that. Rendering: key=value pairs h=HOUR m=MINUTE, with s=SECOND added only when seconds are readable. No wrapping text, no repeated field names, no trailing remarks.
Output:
h=9 m=2
